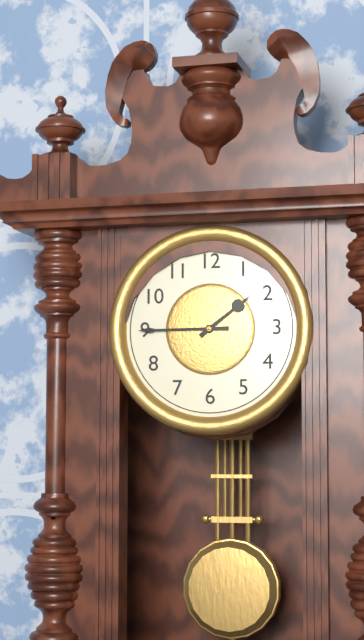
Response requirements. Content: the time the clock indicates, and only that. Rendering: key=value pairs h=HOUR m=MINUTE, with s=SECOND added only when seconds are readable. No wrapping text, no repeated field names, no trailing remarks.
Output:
h=1 m=45
